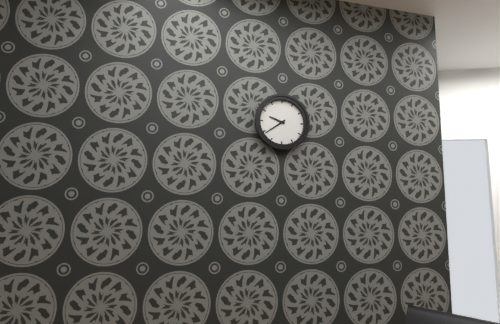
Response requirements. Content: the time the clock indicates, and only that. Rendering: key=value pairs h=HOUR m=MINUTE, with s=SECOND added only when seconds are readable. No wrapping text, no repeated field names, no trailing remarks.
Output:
h=9 m=39
